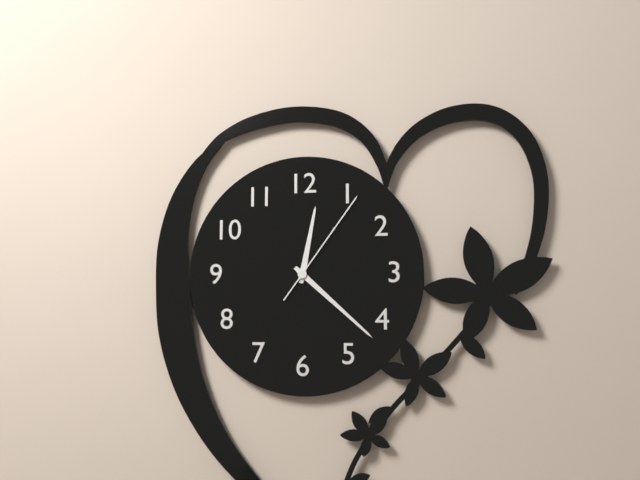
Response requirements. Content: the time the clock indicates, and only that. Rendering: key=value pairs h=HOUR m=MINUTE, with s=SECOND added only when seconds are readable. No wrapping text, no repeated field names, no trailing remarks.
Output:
h=12 m=22 s=6
